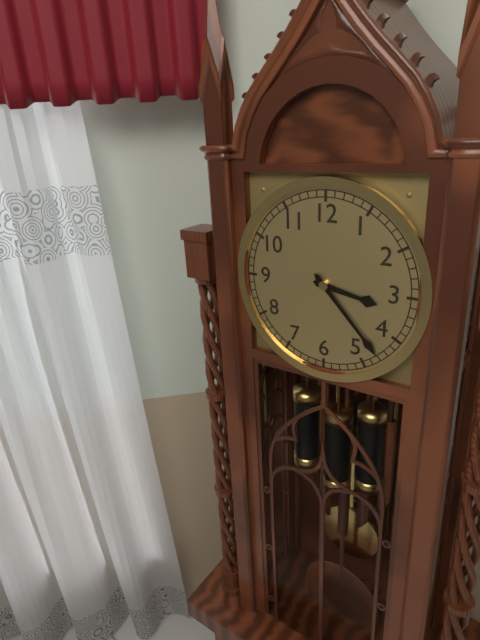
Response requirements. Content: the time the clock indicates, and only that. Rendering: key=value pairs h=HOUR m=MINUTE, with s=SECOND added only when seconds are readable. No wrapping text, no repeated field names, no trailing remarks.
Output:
h=3 m=23
